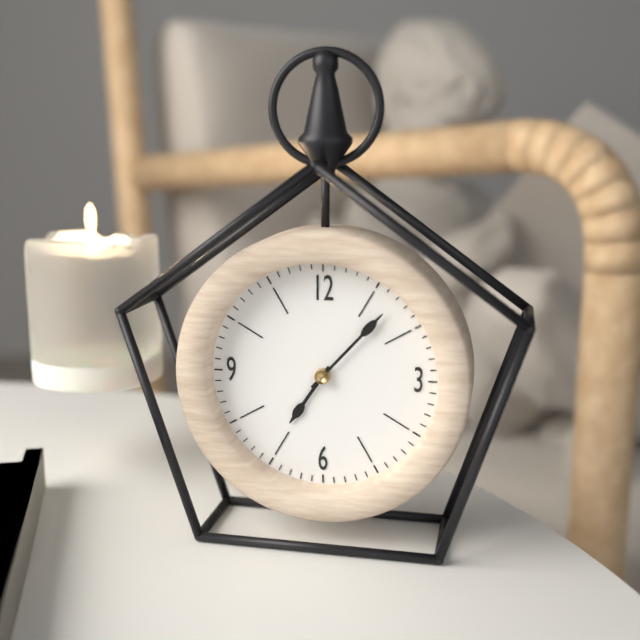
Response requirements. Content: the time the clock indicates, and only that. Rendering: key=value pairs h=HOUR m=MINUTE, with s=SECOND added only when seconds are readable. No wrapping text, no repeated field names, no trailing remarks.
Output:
h=7 m=7
